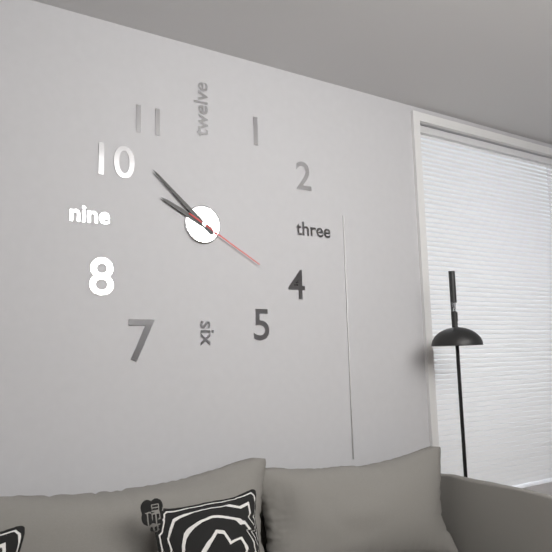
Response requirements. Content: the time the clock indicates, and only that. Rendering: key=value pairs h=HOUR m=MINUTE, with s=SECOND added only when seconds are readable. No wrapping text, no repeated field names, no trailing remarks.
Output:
h=9 m=52 s=20
